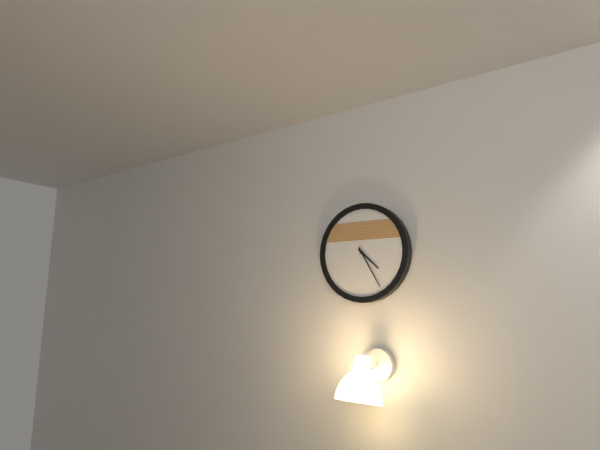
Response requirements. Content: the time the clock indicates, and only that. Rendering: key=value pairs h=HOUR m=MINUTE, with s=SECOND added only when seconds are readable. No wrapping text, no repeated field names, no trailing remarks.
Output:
h=4 m=25
